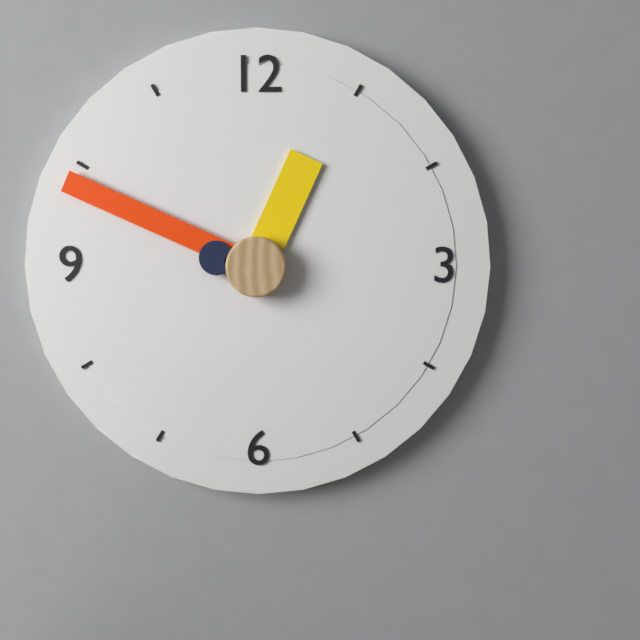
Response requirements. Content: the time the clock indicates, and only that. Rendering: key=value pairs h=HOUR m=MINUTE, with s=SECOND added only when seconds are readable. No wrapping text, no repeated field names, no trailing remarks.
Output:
h=12 m=49 s=47
